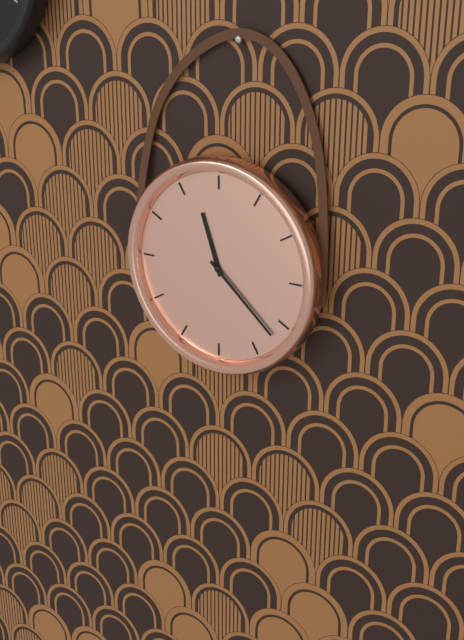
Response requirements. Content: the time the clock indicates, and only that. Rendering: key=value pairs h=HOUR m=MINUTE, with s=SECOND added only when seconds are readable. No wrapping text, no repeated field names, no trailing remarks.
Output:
h=11 m=22
